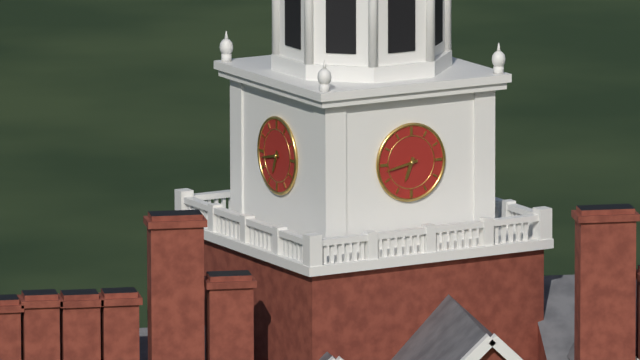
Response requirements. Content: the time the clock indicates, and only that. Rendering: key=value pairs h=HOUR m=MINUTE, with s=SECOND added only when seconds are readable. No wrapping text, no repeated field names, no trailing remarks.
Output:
h=6 m=43
